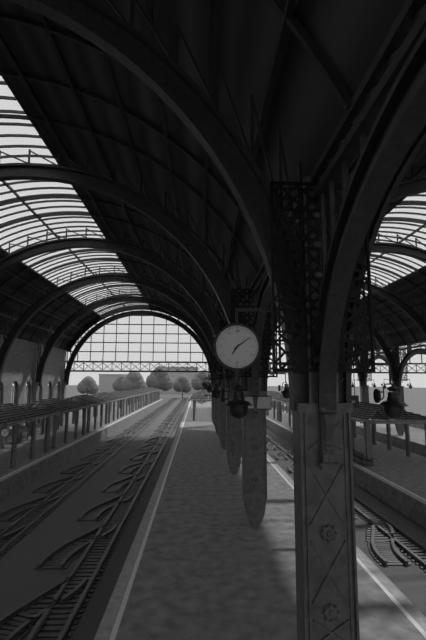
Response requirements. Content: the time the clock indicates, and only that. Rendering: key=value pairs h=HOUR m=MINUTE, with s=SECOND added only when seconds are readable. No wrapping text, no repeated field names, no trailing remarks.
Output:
h=7 m=9
